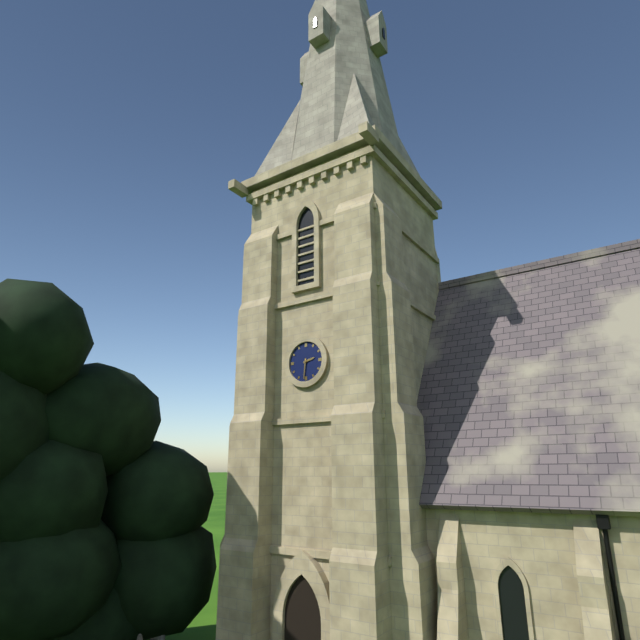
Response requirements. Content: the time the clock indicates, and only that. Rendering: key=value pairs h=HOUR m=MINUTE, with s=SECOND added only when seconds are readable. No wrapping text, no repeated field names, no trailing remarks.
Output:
h=2 m=31
